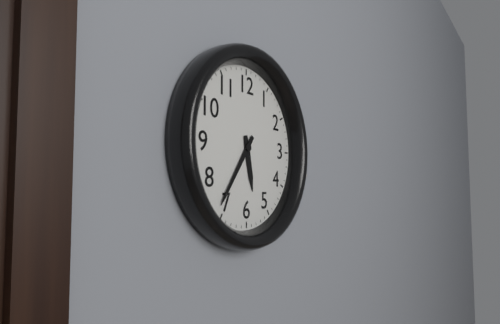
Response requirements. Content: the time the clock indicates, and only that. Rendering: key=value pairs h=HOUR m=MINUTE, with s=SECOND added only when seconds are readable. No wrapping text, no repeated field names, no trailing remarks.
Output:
h=5 m=36
